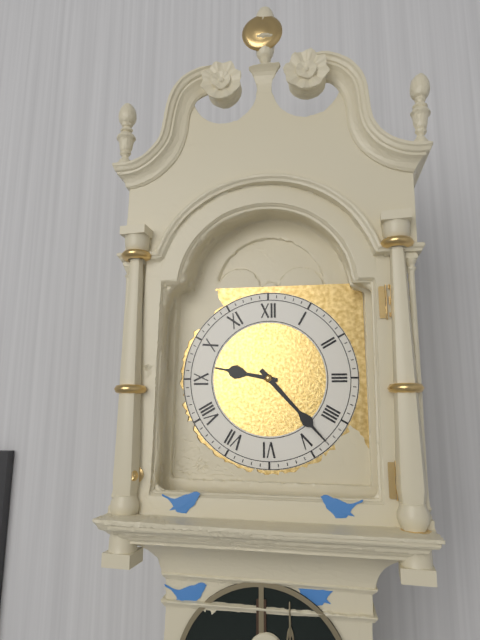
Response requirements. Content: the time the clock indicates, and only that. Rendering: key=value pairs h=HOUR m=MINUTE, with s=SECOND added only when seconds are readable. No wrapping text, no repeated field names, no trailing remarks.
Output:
h=9 m=23
